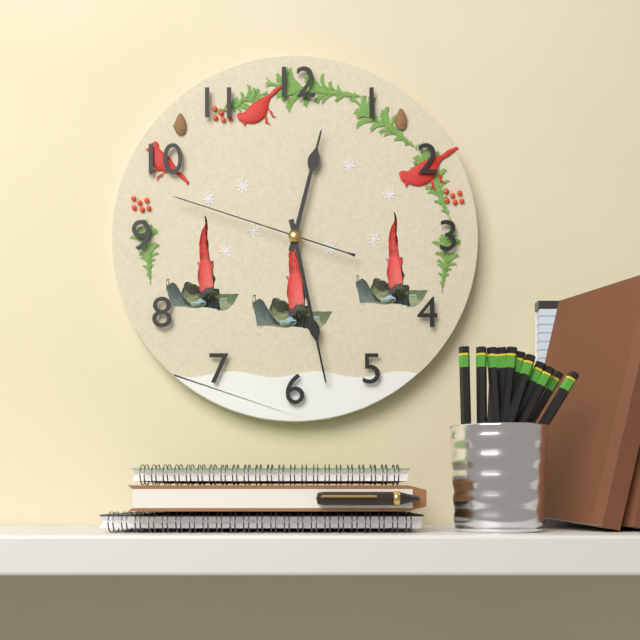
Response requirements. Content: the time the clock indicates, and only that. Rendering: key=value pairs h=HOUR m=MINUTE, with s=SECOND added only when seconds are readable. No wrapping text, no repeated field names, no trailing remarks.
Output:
h=12 m=28 s=48
